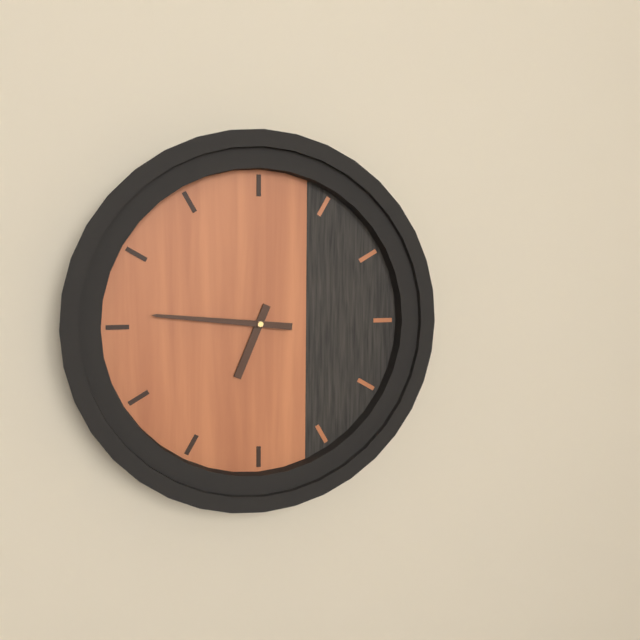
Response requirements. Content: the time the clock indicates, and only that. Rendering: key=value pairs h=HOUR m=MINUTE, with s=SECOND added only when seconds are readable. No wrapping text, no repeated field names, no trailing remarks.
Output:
h=6 m=46
